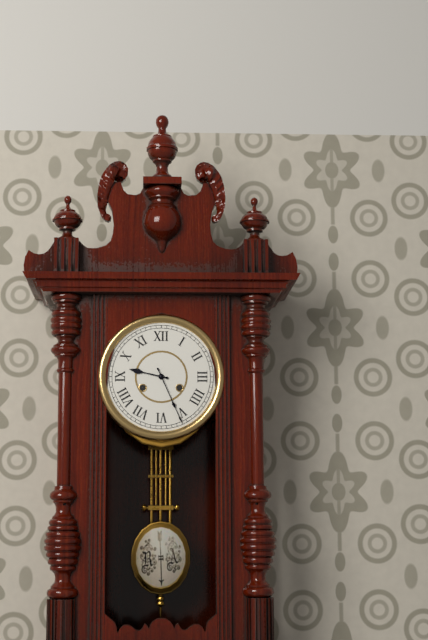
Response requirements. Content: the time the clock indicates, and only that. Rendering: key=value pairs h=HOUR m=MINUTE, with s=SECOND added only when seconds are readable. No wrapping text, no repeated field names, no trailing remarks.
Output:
h=9 m=26
